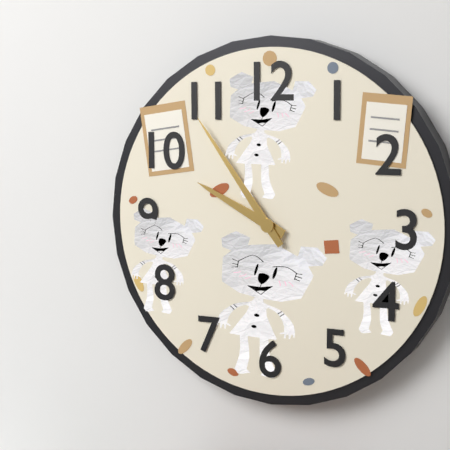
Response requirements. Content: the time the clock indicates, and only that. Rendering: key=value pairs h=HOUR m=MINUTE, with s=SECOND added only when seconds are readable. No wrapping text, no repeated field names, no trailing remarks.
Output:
h=9 m=54
